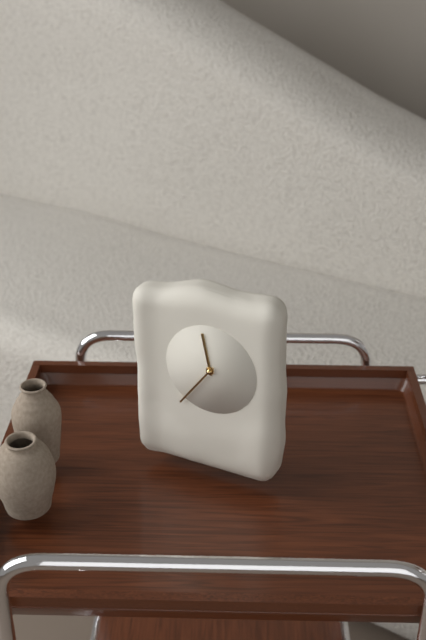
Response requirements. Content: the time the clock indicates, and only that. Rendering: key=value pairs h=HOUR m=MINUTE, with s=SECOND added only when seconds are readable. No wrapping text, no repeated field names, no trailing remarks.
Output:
h=11 m=36
